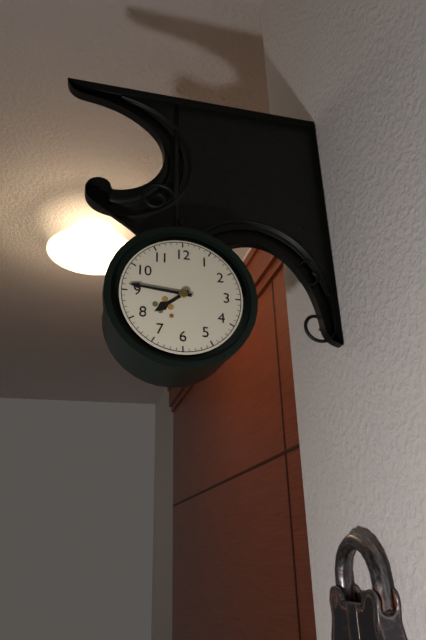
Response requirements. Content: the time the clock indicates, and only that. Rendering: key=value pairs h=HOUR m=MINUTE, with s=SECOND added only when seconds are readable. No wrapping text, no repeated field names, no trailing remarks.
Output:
h=7 m=46
